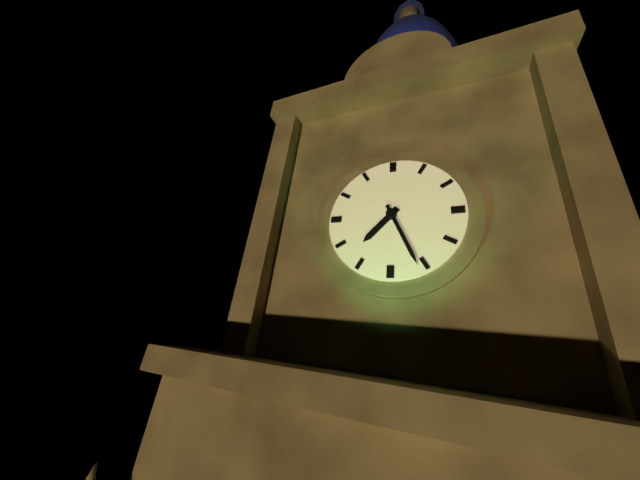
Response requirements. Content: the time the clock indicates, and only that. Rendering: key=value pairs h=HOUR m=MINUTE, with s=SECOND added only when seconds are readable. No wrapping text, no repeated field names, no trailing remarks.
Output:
h=7 m=26
